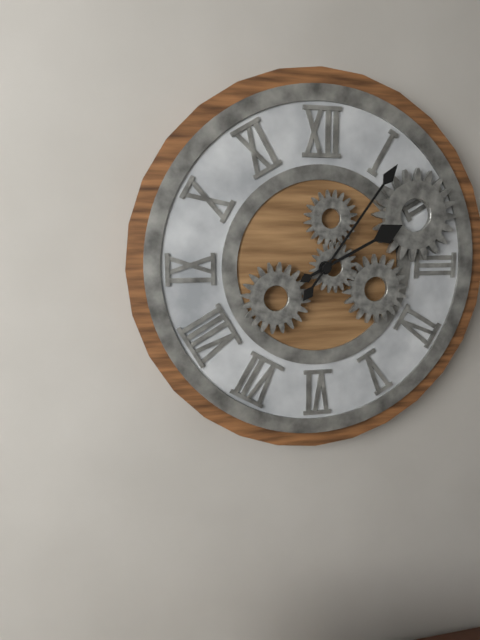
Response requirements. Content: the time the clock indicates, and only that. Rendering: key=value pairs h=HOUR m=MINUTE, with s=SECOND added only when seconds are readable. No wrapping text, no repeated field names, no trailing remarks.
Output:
h=2 m=6
